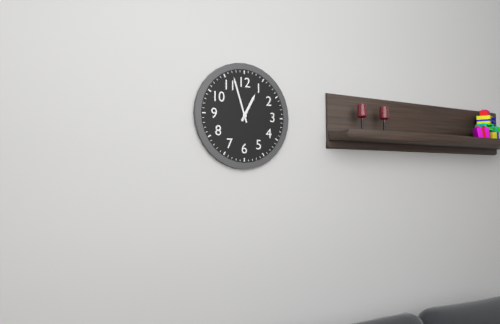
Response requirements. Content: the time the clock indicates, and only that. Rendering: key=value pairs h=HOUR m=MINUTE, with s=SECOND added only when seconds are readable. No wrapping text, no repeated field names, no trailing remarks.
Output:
h=12 m=57
